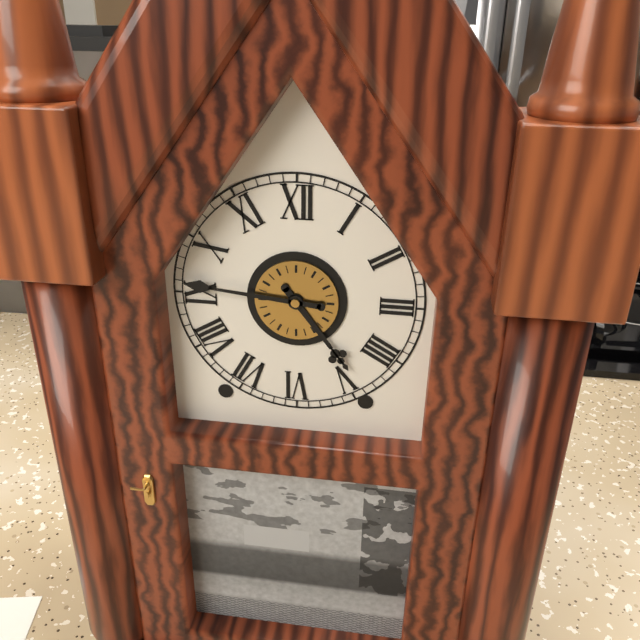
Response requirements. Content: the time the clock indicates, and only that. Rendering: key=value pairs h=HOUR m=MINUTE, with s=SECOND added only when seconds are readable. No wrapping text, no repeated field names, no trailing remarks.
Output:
h=4 m=46
